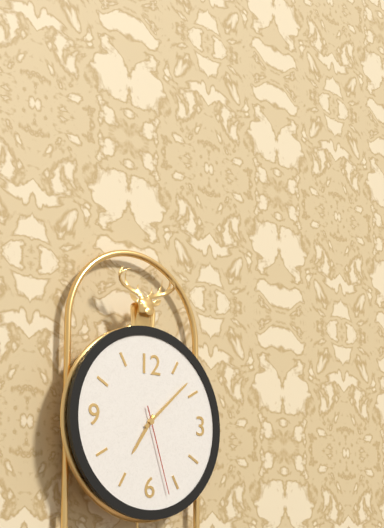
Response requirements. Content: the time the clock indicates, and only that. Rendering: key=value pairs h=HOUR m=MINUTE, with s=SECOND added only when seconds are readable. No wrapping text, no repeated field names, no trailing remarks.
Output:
h=7 m=8 s=27
